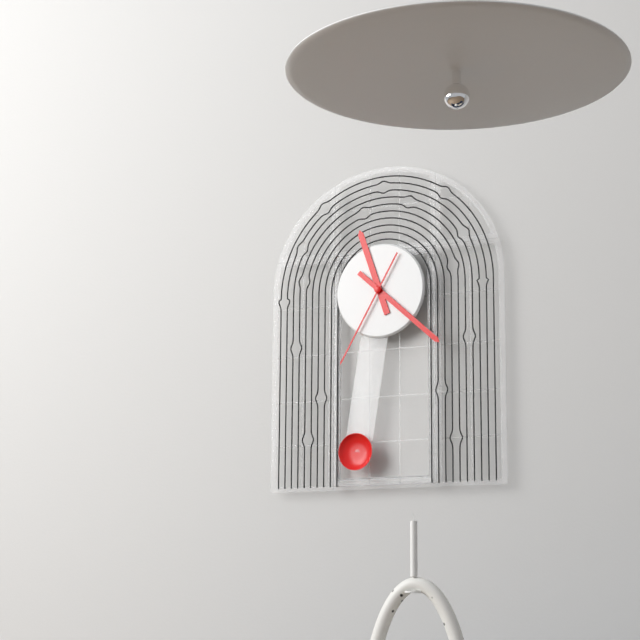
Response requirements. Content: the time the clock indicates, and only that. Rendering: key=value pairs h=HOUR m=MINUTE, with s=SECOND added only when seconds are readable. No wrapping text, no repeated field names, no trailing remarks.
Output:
h=11 m=22 s=35
